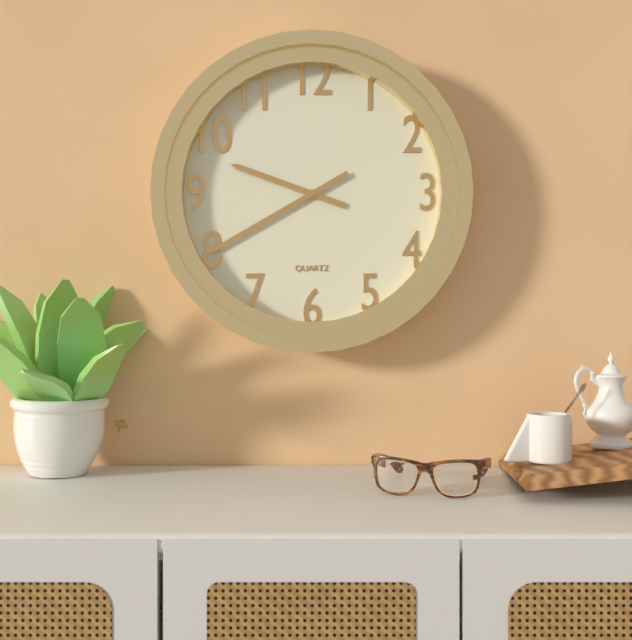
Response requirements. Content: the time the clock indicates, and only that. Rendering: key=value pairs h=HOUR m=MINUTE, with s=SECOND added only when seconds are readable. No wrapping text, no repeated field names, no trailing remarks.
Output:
h=9 m=40
